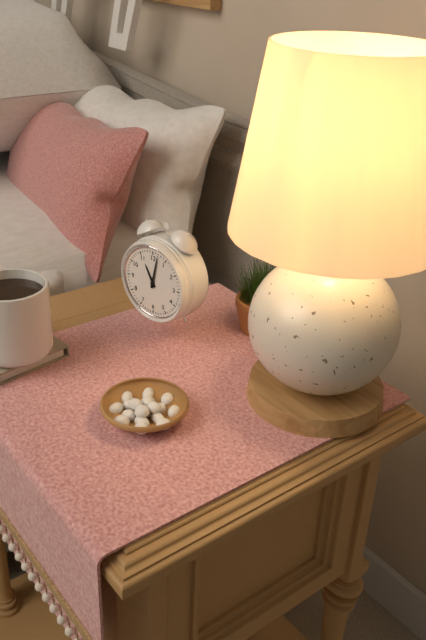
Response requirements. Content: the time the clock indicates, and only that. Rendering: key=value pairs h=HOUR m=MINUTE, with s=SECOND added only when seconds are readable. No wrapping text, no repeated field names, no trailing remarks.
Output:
h=11 m=2
